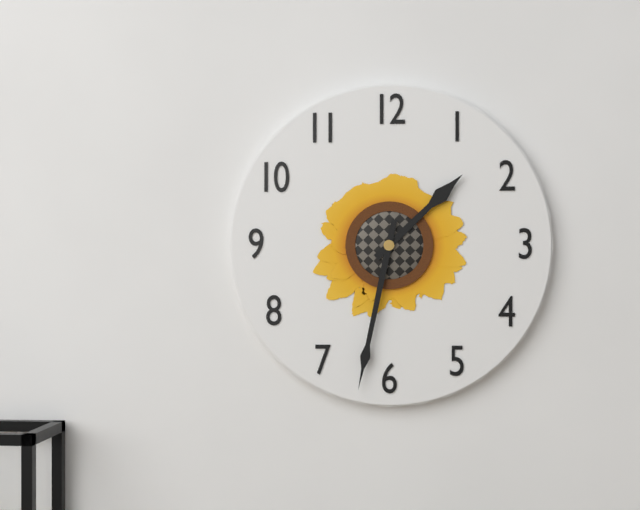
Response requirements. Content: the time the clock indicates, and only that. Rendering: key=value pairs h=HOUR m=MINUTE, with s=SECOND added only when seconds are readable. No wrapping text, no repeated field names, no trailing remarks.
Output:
h=1 m=32
